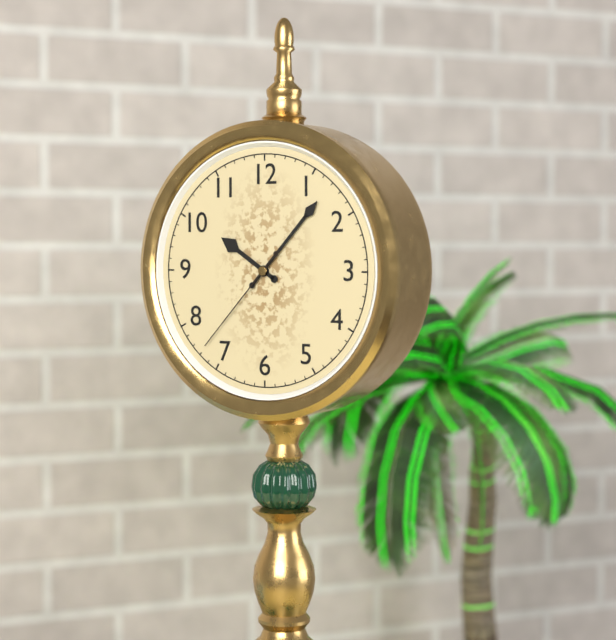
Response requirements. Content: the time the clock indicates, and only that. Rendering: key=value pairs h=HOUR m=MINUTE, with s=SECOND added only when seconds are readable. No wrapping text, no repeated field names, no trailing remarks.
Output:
h=10 m=7 s=37
